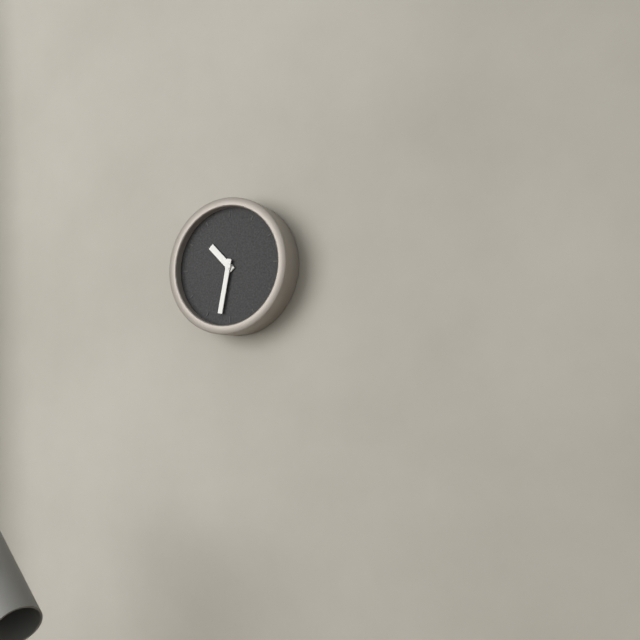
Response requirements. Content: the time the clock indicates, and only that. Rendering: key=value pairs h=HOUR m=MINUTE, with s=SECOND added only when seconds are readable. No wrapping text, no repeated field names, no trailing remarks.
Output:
h=10 m=32
